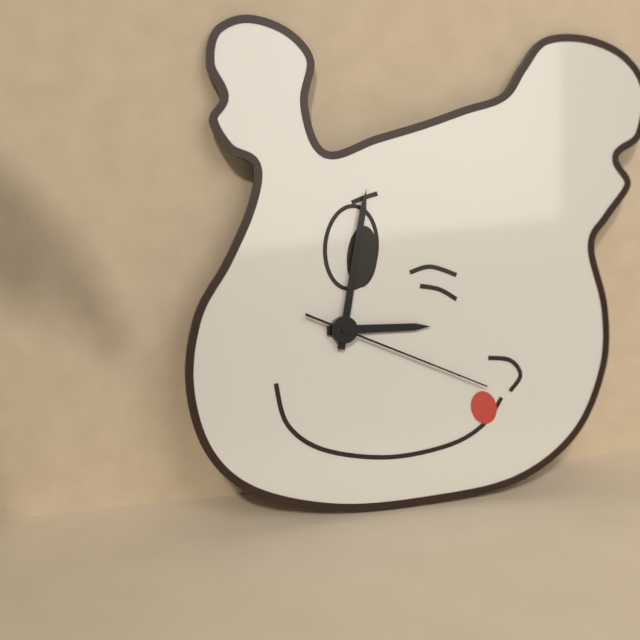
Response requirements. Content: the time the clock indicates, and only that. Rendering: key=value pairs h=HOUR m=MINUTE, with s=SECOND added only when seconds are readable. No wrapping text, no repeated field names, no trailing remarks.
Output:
h=3 m=2 s=19
